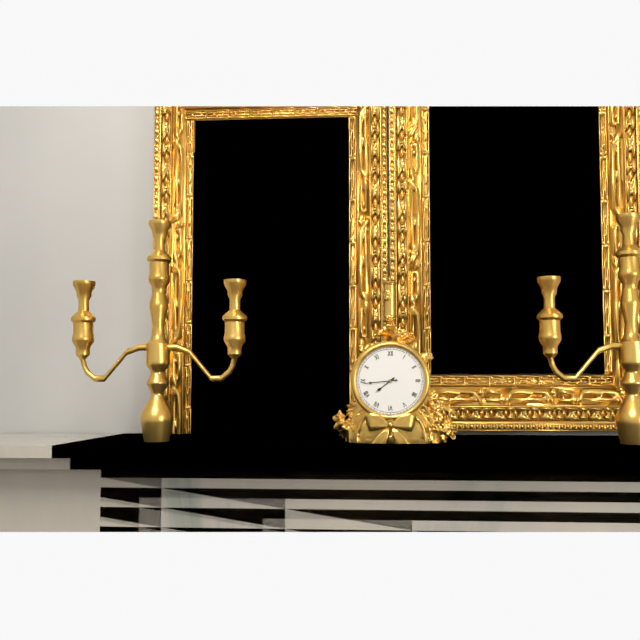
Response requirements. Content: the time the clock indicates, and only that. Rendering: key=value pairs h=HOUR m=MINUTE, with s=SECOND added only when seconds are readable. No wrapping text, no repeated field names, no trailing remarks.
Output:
h=7 m=44
